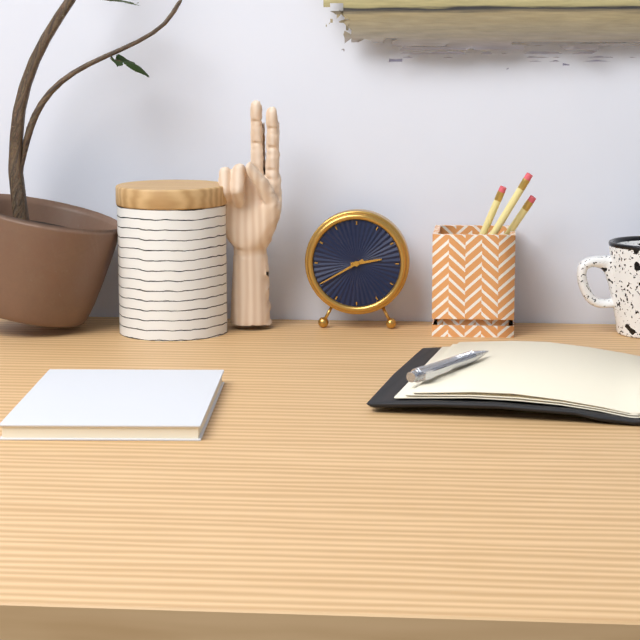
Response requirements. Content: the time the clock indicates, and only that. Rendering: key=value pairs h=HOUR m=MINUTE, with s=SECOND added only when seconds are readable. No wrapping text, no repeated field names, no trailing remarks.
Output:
h=2 m=40
